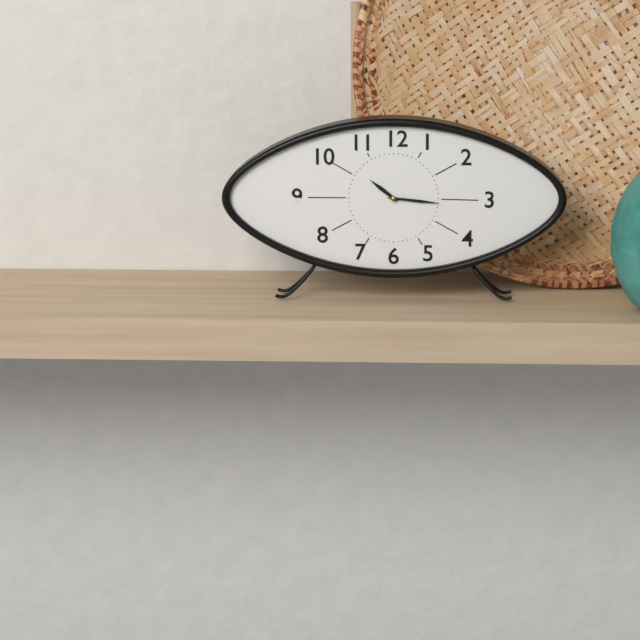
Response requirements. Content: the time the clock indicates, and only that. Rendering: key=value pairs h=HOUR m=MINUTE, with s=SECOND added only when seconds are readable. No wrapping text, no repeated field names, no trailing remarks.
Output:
h=10 m=16
